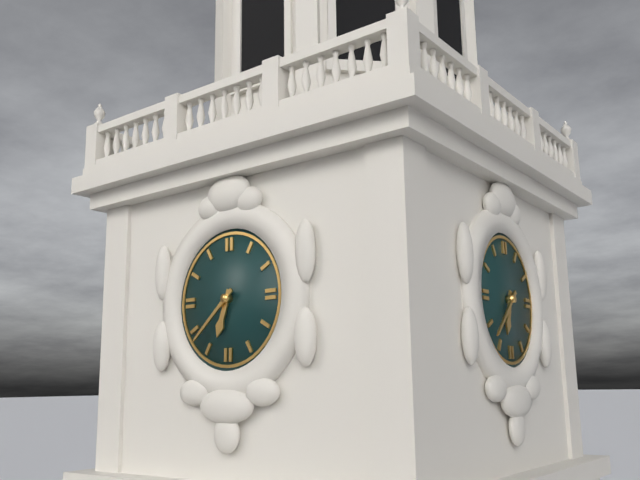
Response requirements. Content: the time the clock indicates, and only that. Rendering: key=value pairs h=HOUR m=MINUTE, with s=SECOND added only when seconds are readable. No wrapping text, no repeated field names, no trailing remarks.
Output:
h=6 m=38
